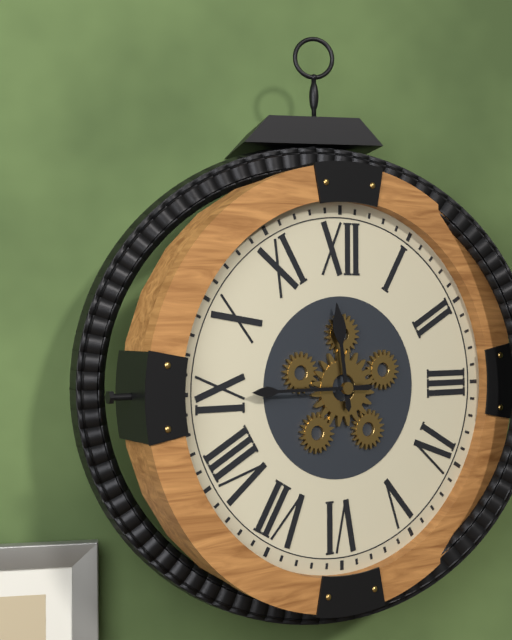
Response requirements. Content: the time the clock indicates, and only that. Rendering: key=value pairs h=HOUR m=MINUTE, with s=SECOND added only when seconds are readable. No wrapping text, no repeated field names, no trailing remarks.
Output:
h=11 m=45
